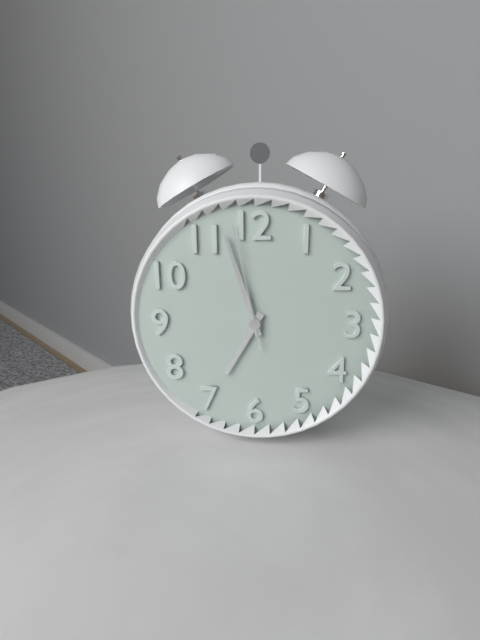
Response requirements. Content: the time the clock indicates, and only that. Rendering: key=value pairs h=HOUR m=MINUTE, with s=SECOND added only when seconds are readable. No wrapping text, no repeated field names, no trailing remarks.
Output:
h=6 m=57 s=58
